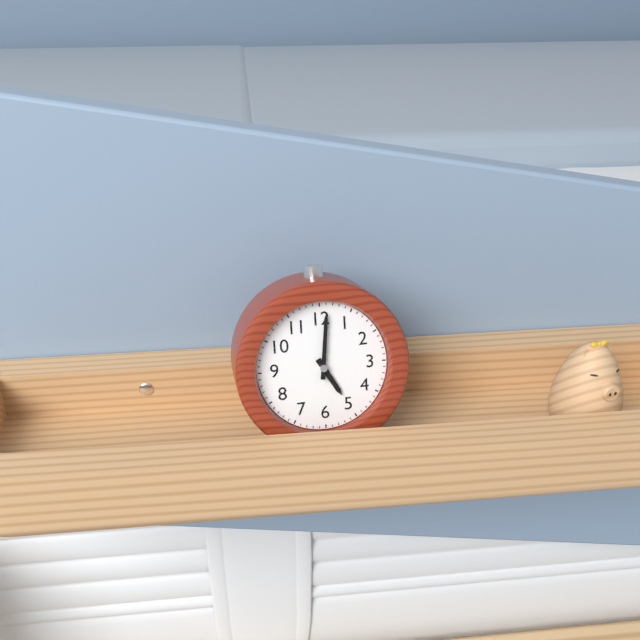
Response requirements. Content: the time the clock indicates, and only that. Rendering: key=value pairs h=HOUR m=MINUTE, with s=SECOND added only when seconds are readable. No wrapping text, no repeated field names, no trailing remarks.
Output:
h=5 m=1
